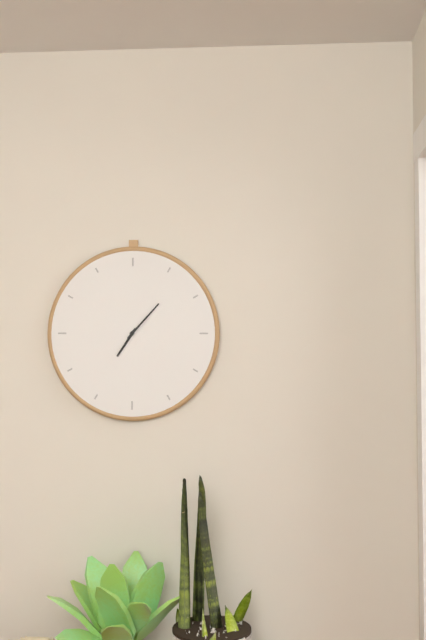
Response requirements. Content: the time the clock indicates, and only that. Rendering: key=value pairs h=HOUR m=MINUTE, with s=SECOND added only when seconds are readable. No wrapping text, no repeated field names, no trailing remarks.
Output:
h=7 m=7
